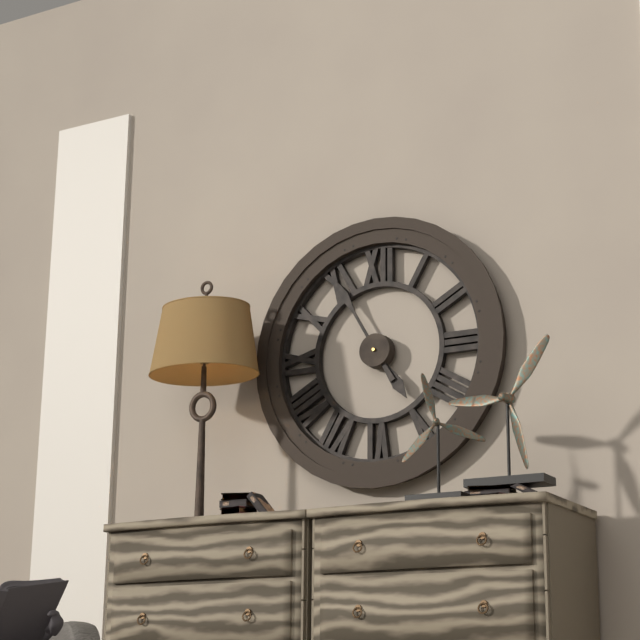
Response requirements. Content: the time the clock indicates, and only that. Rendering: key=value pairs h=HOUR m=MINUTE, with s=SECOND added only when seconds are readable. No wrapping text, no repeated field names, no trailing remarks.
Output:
h=4 m=55
